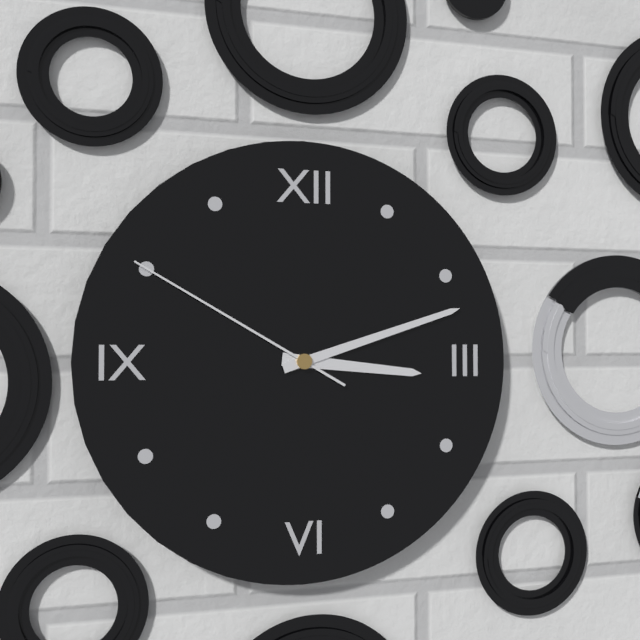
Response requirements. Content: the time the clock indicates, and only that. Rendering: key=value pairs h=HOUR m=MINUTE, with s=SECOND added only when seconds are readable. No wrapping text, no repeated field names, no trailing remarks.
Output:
h=3 m=12 s=50
